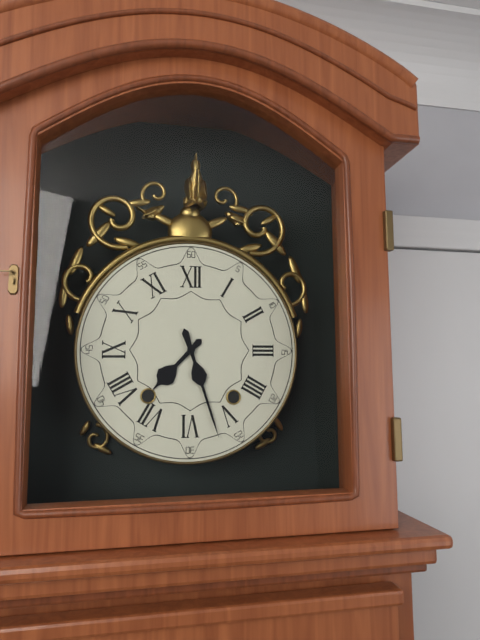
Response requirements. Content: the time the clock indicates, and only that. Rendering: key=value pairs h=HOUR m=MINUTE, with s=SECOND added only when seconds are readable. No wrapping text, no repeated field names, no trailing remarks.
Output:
h=7 m=27
